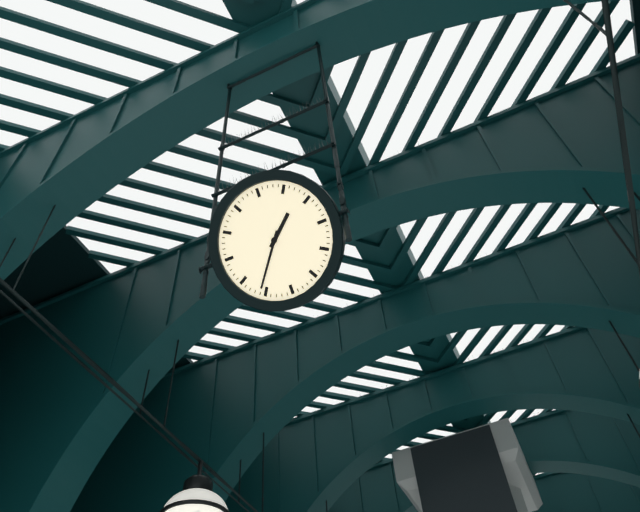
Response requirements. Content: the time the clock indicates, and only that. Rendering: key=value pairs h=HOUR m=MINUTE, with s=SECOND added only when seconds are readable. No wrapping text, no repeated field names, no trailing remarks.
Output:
h=1 m=36
